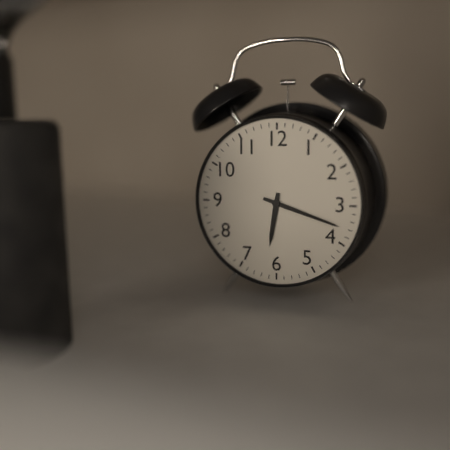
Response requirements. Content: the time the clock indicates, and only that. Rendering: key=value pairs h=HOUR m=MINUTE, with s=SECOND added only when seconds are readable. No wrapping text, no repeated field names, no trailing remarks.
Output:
h=6 m=18
